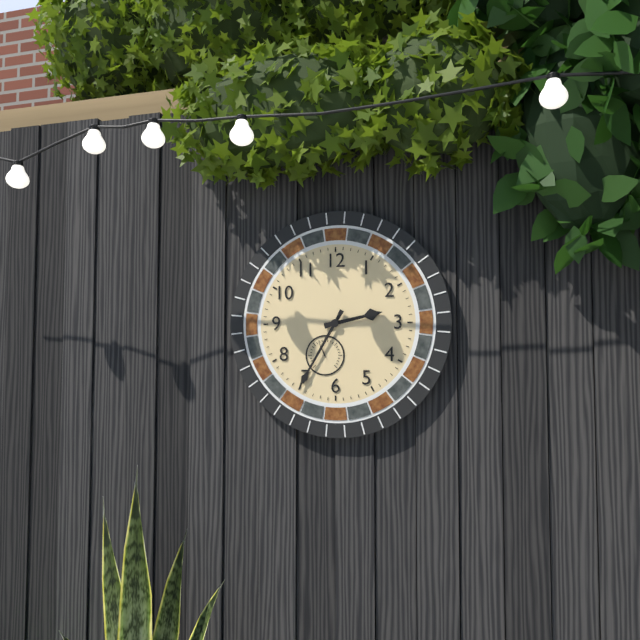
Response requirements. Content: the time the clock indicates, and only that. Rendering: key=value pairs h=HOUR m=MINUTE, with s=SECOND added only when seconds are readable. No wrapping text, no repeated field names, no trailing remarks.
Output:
h=2 m=35
